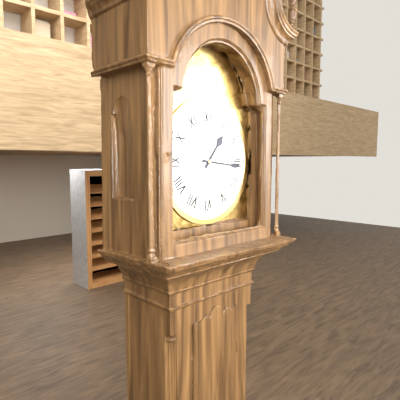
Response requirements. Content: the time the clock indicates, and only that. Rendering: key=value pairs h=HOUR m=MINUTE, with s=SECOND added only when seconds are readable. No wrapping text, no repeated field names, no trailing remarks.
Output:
h=1 m=16
